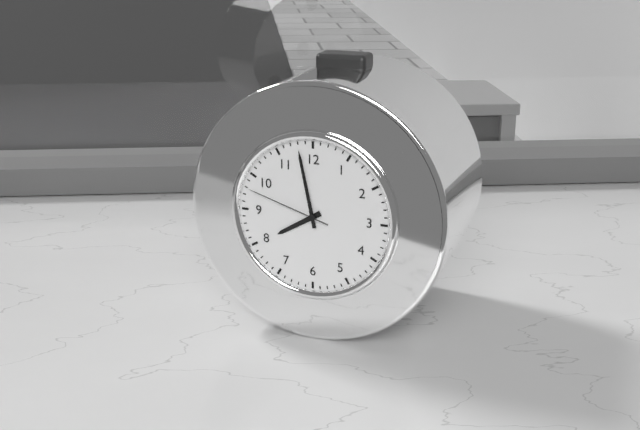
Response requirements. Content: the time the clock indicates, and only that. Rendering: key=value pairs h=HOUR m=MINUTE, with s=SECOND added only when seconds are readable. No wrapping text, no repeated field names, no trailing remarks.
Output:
h=7 m=58 s=48
